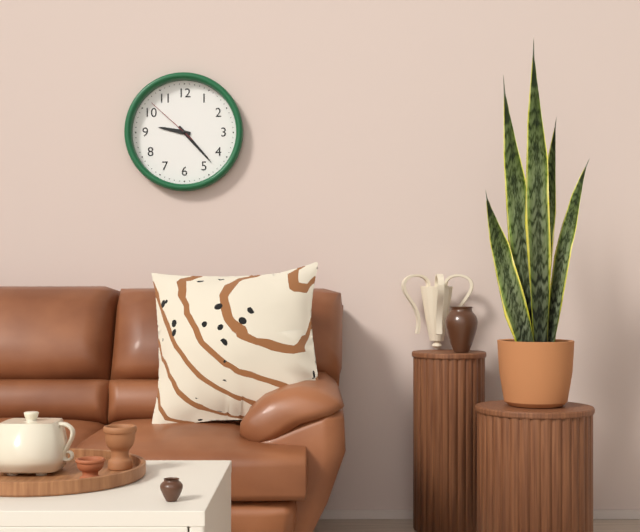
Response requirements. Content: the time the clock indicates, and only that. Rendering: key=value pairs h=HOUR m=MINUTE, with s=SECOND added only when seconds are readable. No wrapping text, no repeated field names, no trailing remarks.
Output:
h=9 m=23 s=52
